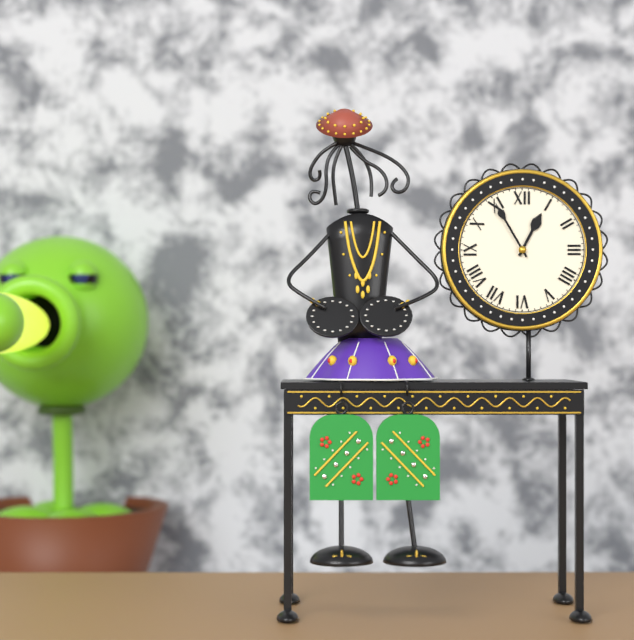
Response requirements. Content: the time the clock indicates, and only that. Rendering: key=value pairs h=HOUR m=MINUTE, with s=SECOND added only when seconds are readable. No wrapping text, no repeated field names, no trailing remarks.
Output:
h=12 m=55
